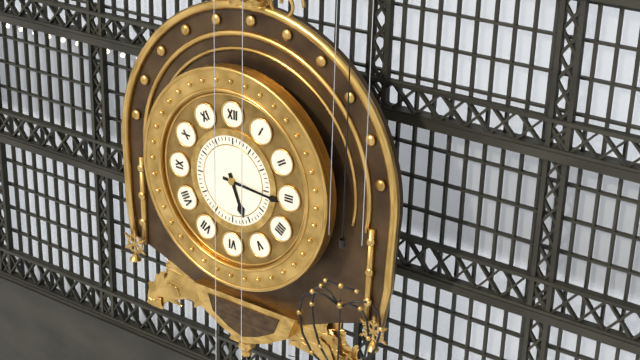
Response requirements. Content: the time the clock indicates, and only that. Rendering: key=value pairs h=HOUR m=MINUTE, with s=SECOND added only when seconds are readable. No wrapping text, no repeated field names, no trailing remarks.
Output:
h=5 m=16
